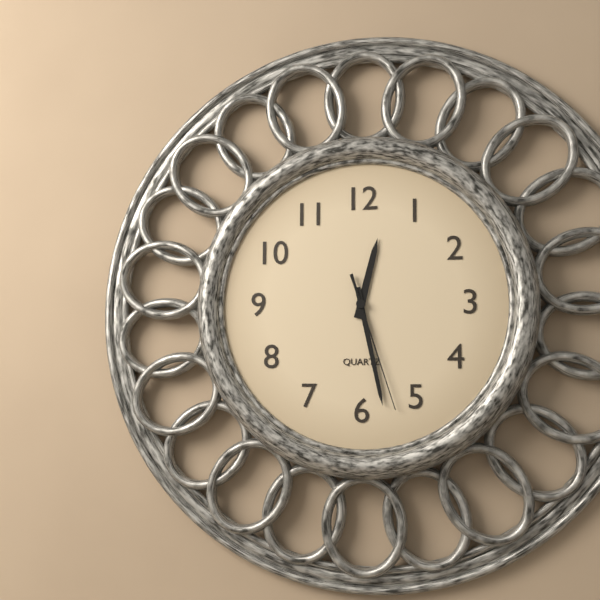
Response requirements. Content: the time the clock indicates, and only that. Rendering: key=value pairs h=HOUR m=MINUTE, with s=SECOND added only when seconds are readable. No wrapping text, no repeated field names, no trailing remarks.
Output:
h=12 m=28 s=27
